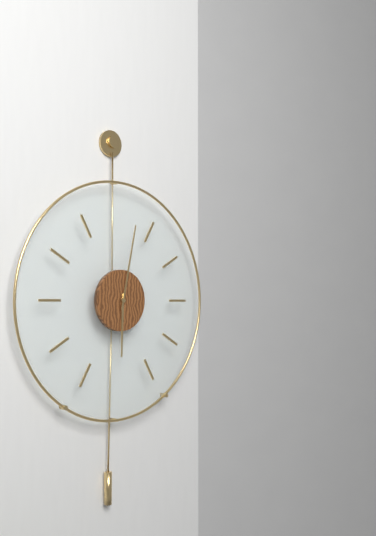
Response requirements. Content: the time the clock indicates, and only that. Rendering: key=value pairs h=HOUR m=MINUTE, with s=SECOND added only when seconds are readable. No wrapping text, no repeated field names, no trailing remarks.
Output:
h=6 m=2
